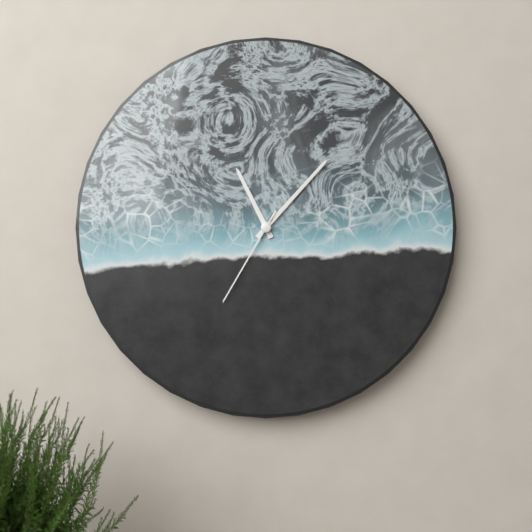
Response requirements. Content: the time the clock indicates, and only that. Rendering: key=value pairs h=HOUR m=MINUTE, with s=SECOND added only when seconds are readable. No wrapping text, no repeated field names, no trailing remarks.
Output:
h=11 m=7 s=35
